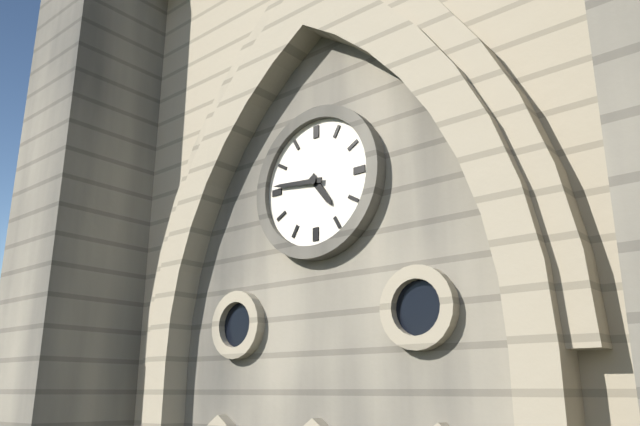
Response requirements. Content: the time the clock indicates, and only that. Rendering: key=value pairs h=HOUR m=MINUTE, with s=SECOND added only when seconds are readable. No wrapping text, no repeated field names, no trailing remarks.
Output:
h=4 m=46
